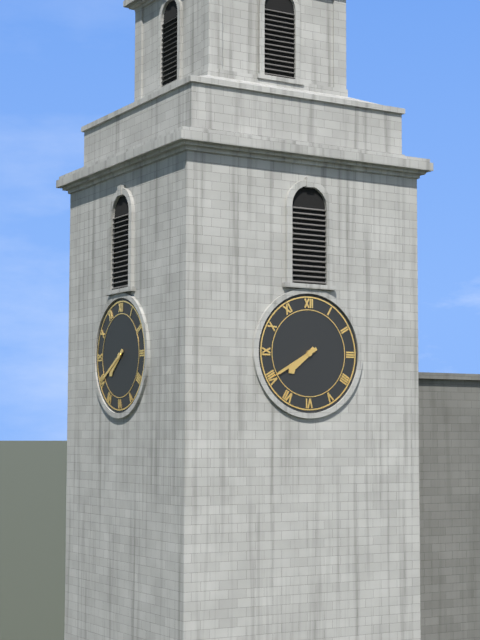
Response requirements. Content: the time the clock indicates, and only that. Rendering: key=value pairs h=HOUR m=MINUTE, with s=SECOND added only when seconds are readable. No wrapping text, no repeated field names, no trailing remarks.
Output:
h=7 m=40
